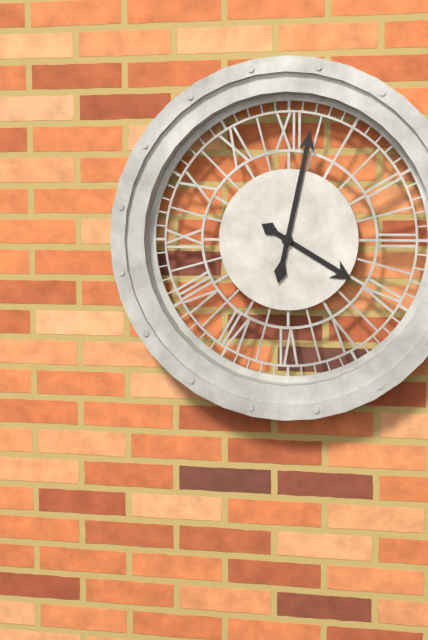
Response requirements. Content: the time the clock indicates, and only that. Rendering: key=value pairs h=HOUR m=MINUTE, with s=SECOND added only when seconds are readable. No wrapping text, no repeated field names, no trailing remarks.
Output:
h=4 m=2
